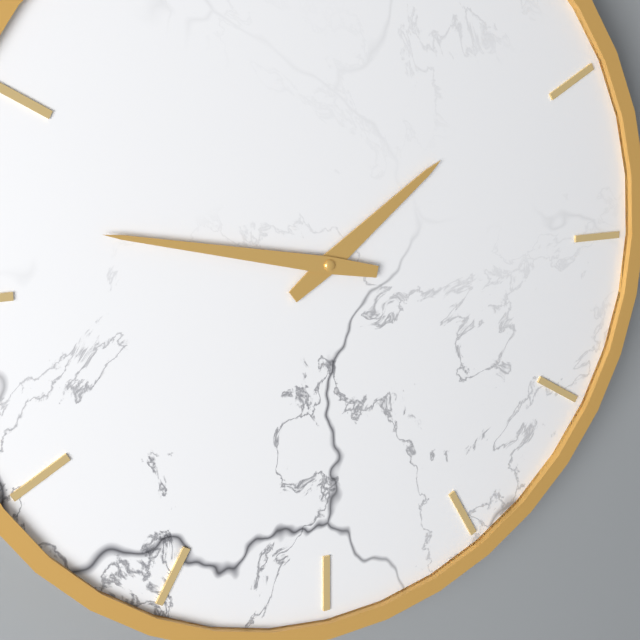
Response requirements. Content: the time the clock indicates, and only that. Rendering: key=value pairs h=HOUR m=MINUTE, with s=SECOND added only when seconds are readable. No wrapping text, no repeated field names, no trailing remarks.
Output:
h=1 m=47
